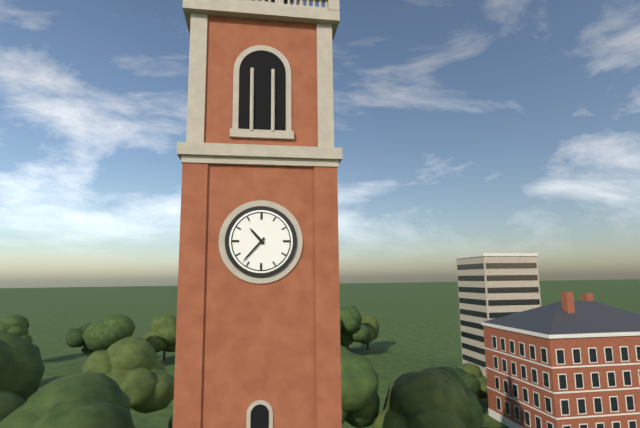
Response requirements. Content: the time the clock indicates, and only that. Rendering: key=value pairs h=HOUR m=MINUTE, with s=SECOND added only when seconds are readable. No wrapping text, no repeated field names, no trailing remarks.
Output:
h=10 m=37
